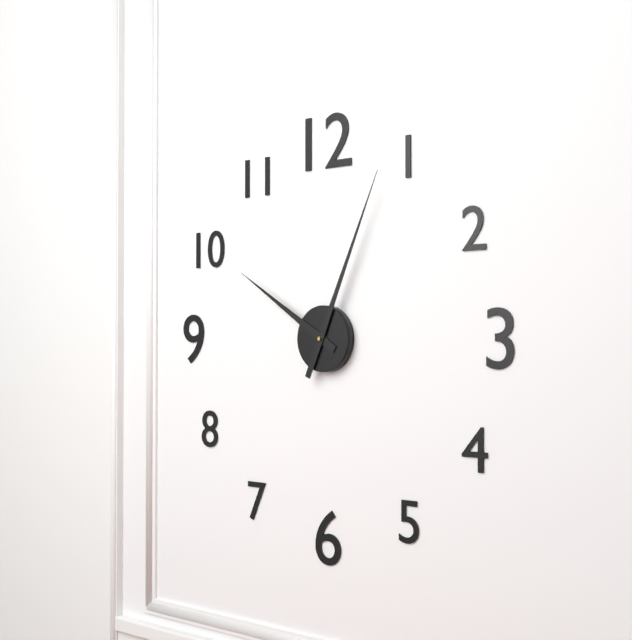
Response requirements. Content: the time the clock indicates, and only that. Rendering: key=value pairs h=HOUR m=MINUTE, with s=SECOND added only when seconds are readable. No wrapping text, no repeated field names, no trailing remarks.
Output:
h=10 m=4
